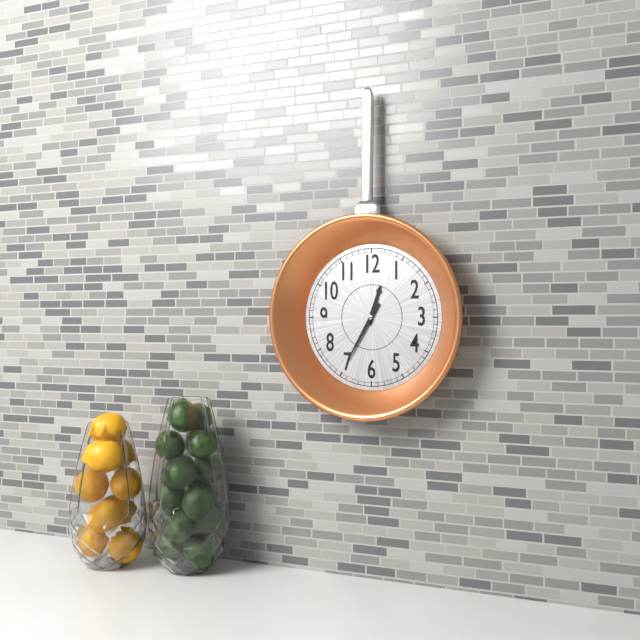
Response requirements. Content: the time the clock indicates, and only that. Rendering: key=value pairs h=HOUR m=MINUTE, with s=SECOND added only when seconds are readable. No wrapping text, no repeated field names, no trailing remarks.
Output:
h=12 m=35
